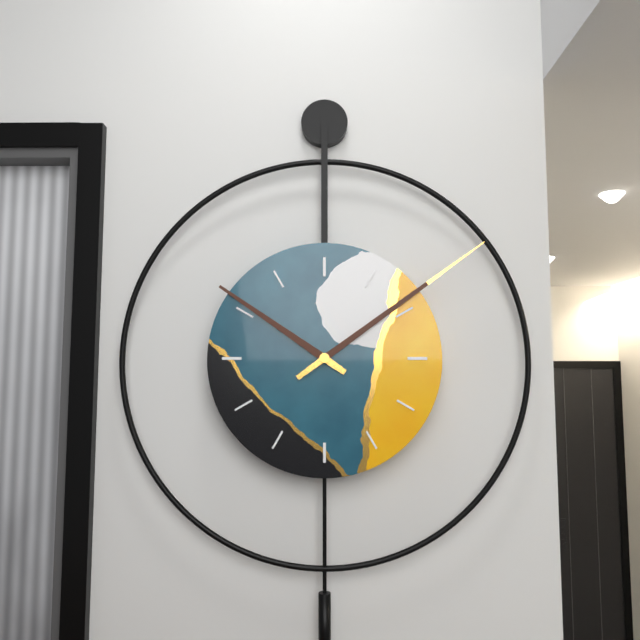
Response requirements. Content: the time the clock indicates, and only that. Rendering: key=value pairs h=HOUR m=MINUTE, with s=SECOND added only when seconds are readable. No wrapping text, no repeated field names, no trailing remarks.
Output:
h=10 m=9
